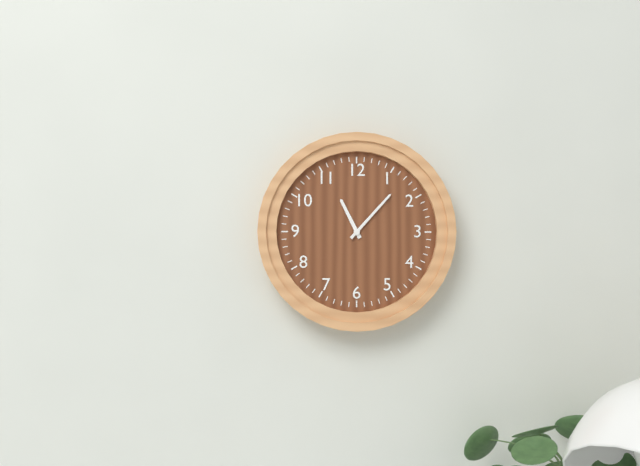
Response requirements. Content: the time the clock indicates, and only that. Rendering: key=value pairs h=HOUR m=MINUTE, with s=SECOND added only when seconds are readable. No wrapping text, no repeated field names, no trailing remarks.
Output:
h=11 m=7
